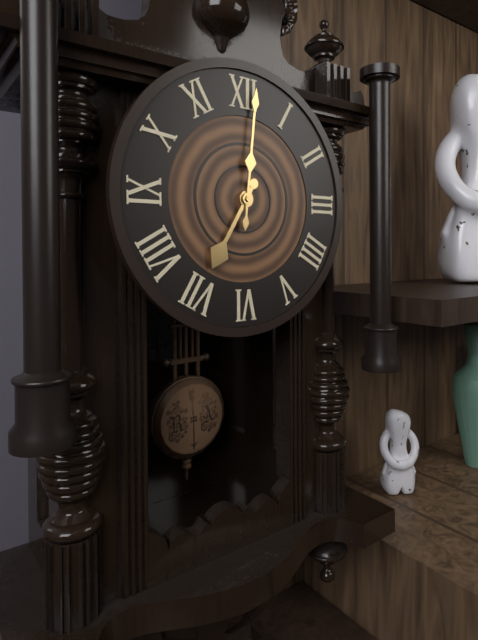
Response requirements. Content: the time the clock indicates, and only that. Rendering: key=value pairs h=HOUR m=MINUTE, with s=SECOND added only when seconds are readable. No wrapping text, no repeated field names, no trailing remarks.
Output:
h=7 m=1
